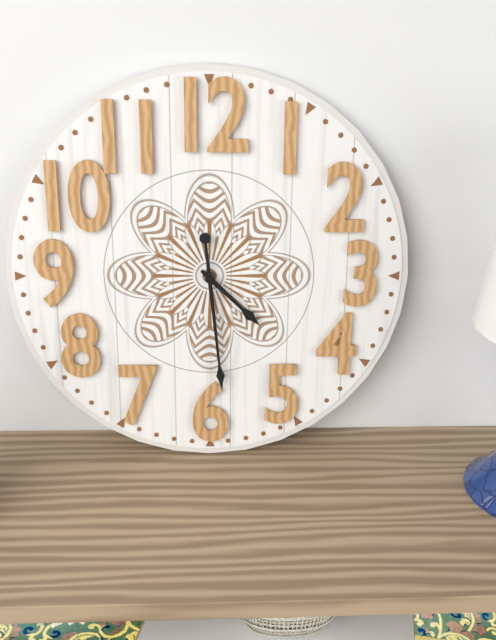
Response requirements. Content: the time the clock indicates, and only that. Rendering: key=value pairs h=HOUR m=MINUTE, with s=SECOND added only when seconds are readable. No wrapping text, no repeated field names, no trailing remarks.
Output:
h=4 m=29
